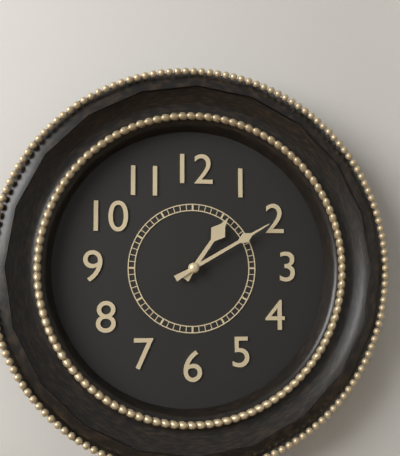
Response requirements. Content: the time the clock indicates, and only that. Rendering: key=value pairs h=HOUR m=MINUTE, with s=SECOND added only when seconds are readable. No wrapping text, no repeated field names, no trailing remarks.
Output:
h=1 m=10
